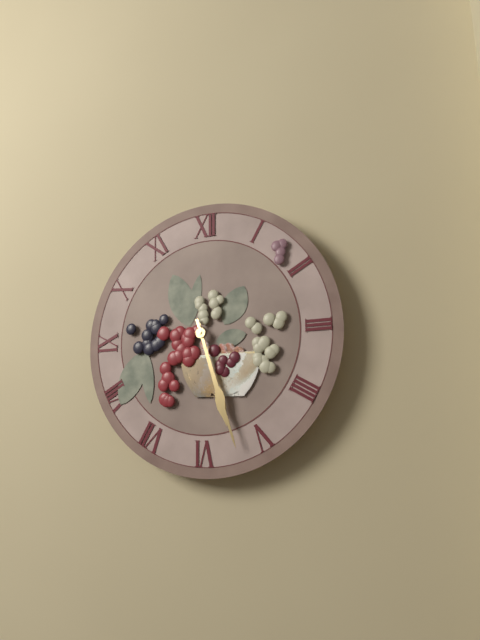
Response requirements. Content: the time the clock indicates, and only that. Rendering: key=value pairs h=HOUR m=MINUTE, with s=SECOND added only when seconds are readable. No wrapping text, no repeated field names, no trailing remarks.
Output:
h=5 m=27
